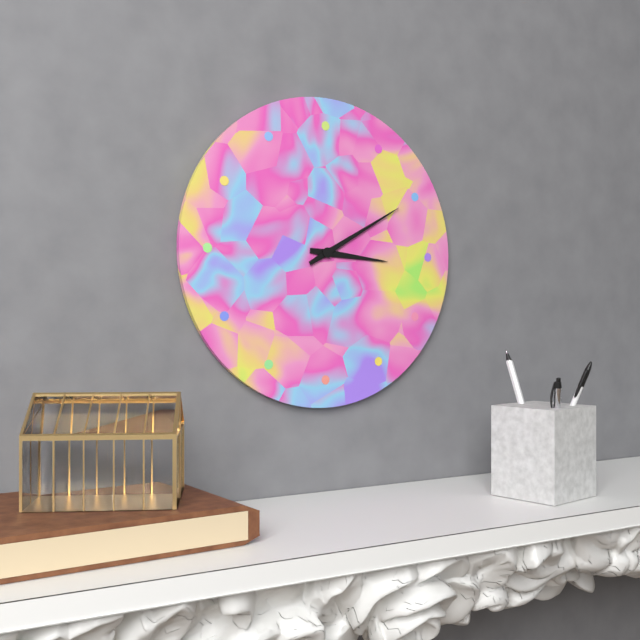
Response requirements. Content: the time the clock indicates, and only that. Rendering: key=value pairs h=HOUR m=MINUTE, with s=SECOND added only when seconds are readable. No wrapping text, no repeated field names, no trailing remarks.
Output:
h=3 m=10
